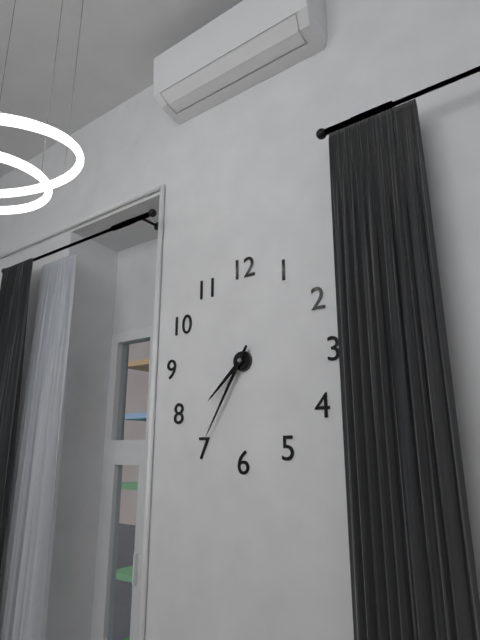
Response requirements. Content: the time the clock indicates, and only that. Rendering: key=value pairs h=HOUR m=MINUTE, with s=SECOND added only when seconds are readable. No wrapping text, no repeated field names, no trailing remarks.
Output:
h=7 m=35
